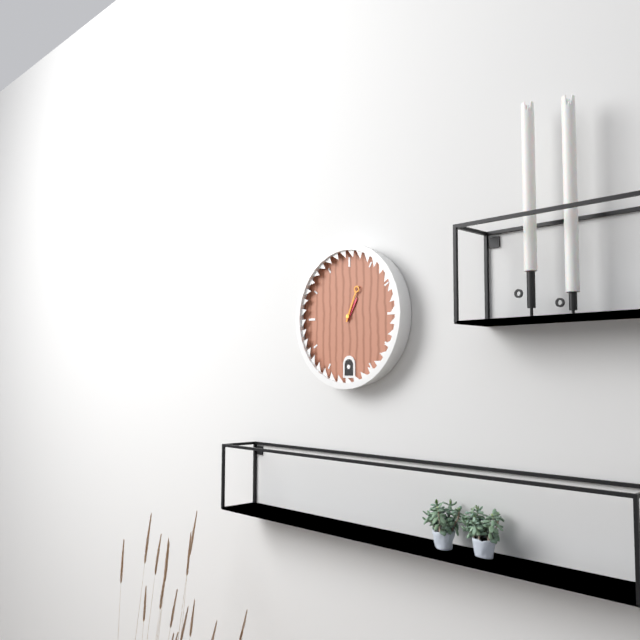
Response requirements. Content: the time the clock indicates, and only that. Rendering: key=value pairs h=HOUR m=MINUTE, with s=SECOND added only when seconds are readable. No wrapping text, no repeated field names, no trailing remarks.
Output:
h=1 m=4
